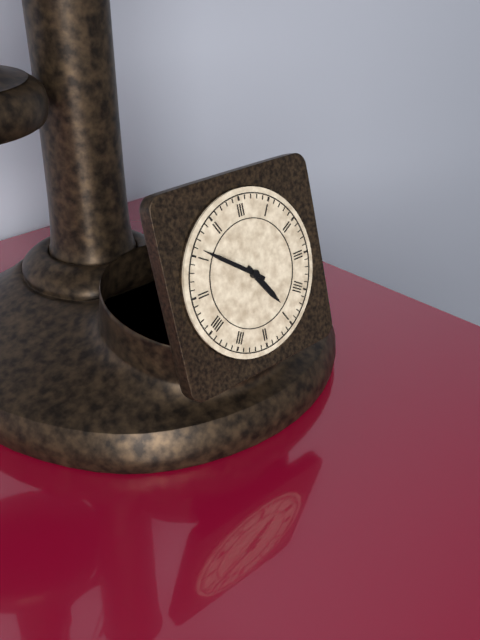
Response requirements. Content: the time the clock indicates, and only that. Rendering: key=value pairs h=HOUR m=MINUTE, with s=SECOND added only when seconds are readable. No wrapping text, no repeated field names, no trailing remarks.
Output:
h=4 m=51
